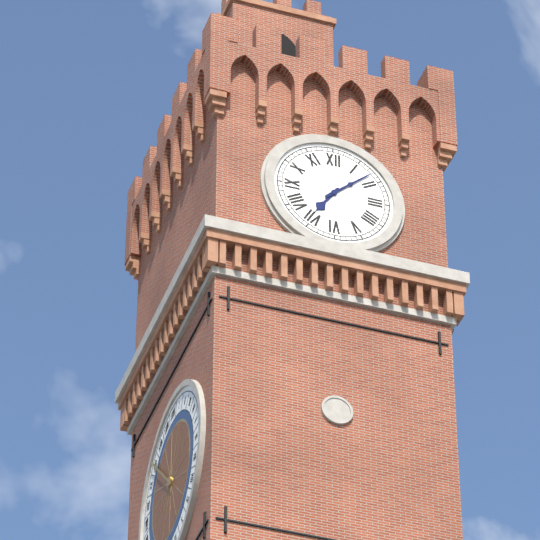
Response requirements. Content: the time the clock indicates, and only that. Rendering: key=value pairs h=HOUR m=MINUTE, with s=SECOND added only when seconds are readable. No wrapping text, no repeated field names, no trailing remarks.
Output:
h=7 m=8
